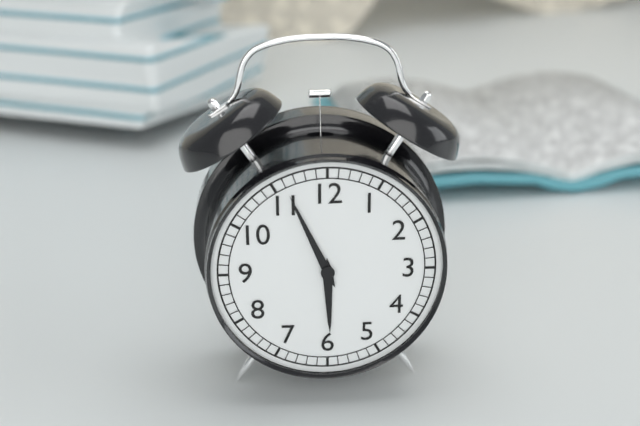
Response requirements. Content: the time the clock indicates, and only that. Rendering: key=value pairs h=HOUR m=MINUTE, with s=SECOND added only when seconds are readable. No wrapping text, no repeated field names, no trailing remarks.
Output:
h=5 m=56
